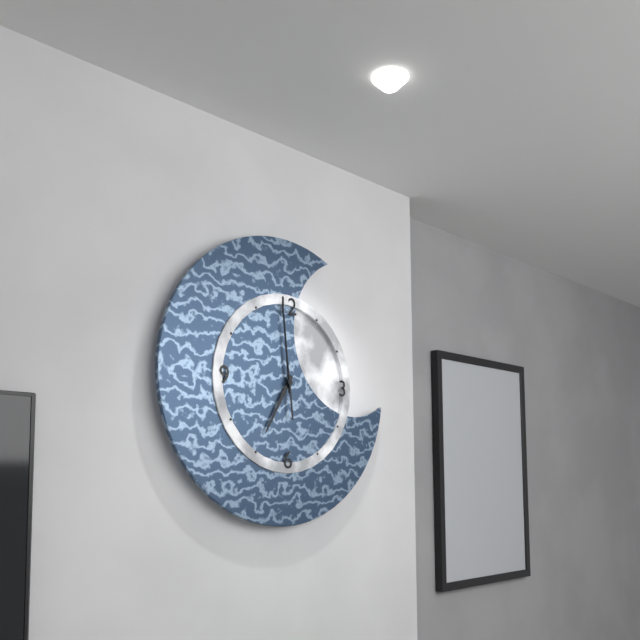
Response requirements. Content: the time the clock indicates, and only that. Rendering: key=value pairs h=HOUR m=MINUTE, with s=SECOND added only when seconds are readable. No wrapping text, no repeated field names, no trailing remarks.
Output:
h=6 m=59 s=59
